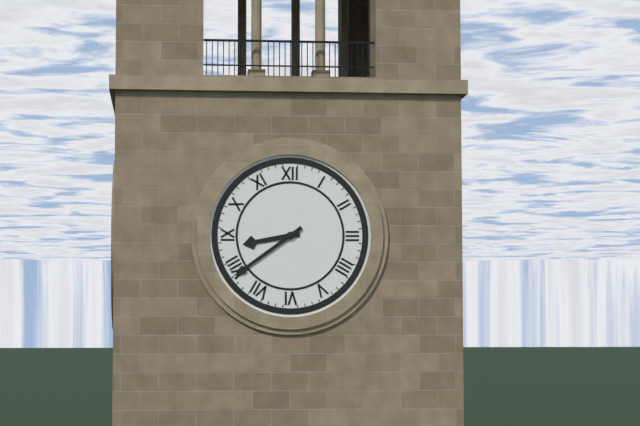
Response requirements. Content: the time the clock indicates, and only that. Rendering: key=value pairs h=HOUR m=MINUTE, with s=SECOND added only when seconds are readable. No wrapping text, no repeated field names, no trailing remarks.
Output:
h=8 m=39
